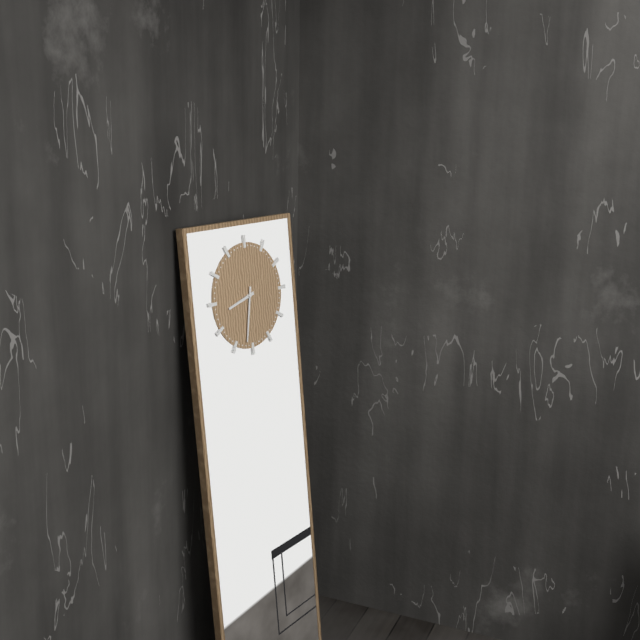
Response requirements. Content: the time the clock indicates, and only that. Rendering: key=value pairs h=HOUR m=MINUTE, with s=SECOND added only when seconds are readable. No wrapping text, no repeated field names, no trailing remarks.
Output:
h=8 m=32
